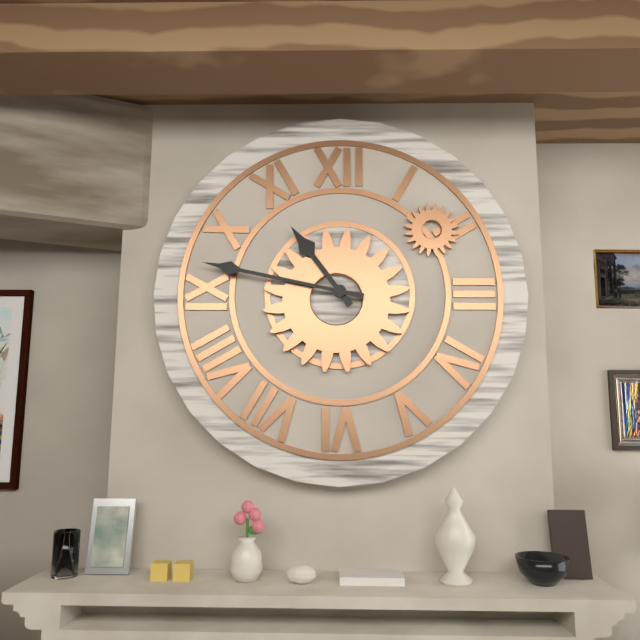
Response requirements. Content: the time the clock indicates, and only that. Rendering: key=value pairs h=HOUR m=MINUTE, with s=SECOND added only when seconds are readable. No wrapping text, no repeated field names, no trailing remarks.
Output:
h=10 m=47
